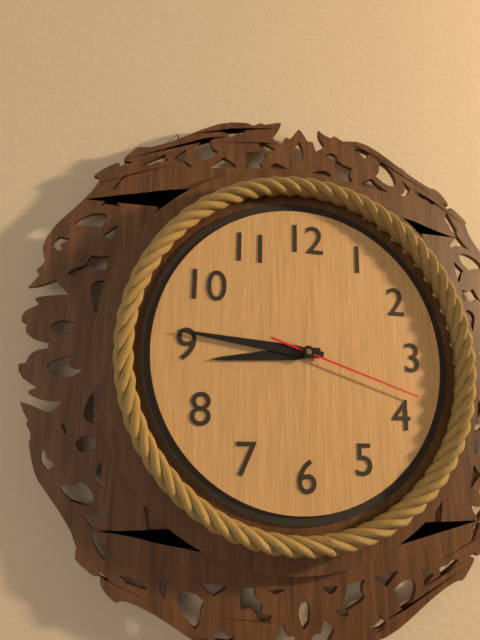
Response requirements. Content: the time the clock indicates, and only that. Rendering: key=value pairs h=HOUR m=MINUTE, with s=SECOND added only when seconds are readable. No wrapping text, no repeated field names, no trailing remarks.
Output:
h=8 m=46 s=18
